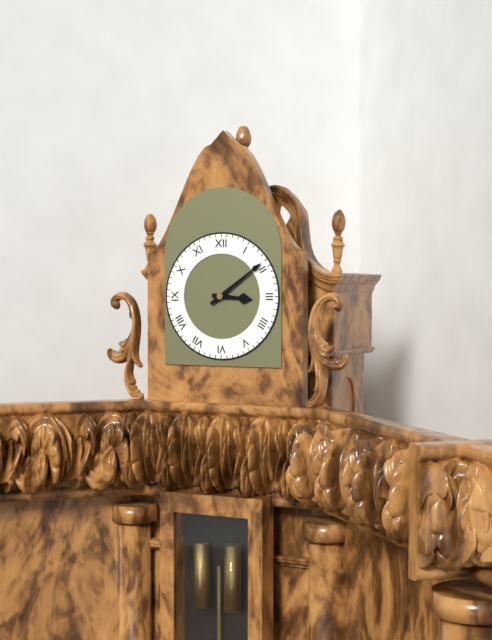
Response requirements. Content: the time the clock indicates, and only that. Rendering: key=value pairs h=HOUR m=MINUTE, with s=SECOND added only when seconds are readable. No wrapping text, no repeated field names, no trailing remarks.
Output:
h=3 m=9
